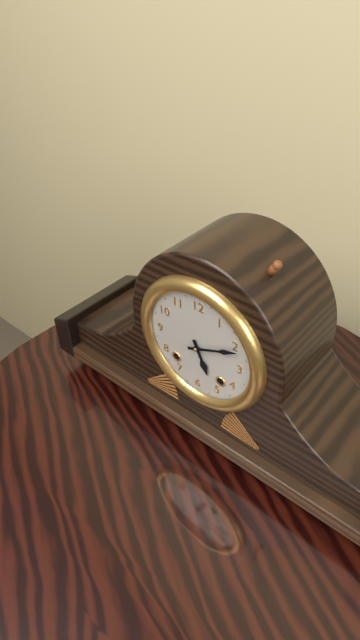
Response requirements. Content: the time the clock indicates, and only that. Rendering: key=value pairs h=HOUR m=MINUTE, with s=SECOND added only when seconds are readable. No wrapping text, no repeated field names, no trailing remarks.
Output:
h=5 m=11
